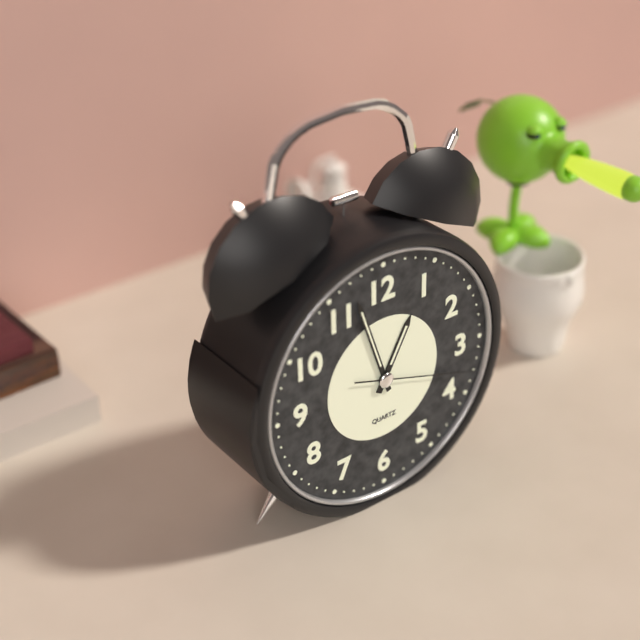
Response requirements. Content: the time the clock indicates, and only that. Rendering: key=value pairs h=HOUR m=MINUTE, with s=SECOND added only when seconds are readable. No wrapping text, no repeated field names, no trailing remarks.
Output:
h=12 m=57 s=18
